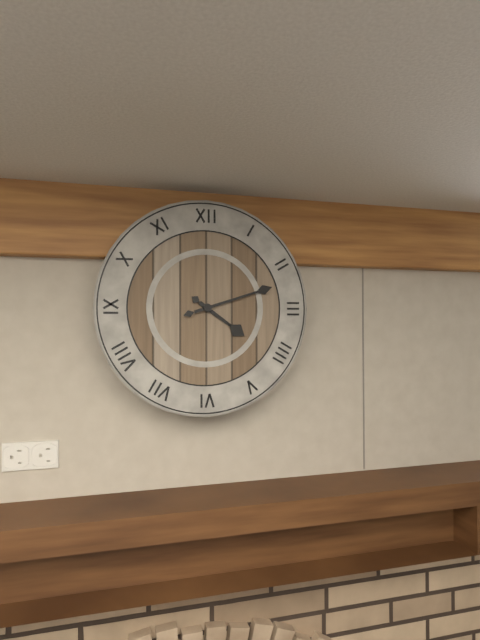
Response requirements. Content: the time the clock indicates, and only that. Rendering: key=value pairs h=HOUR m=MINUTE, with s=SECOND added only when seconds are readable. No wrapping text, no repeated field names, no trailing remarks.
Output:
h=4 m=12
